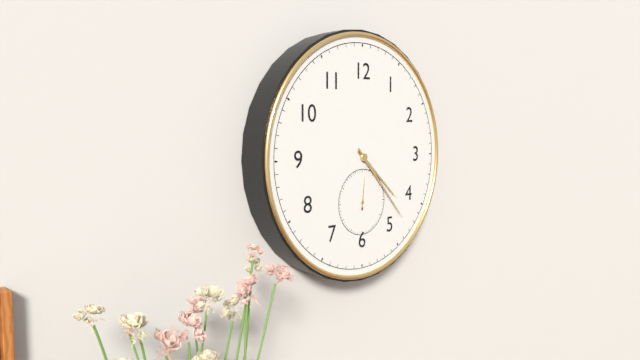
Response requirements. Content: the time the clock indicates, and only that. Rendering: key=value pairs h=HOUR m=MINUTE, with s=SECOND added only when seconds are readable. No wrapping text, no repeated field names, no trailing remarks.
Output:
h=4 m=23
